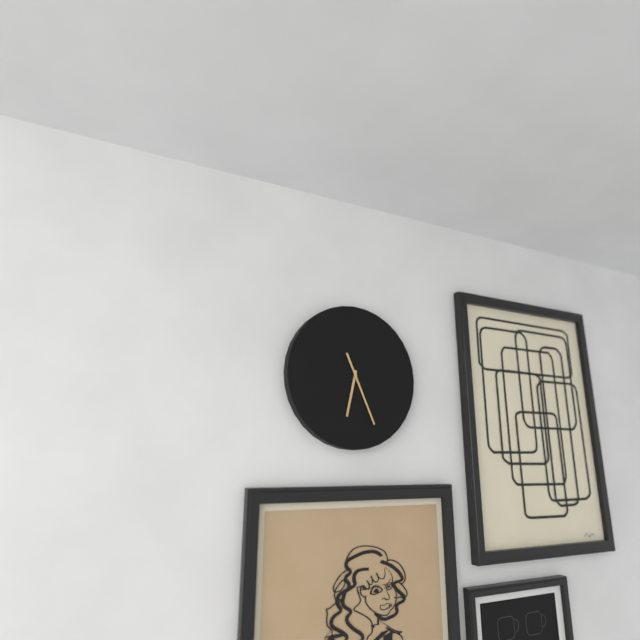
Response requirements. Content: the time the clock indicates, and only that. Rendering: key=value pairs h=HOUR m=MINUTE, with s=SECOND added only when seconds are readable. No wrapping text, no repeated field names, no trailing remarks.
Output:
h=6 m=26
